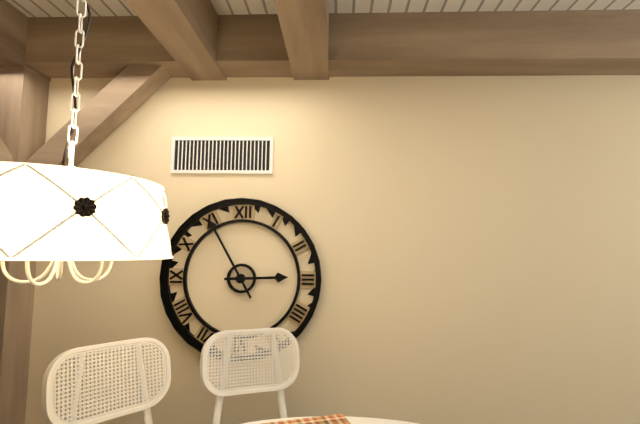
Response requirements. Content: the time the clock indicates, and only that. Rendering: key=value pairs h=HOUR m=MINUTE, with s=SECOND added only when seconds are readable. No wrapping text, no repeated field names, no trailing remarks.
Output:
h=2 m=55
